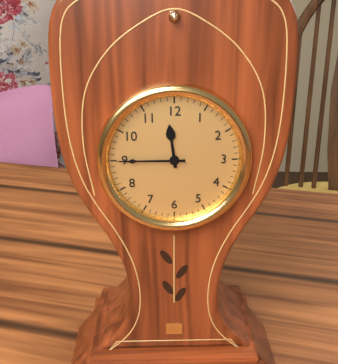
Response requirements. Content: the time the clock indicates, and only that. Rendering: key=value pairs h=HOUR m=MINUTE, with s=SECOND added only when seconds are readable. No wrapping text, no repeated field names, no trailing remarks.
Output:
h=11 m=45
